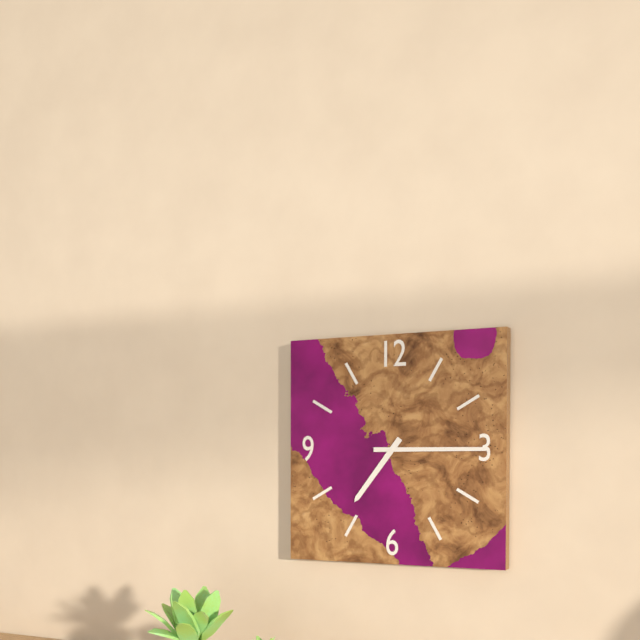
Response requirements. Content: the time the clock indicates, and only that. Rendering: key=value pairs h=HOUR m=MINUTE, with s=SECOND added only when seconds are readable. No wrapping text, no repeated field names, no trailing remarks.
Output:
h=7 m=15
